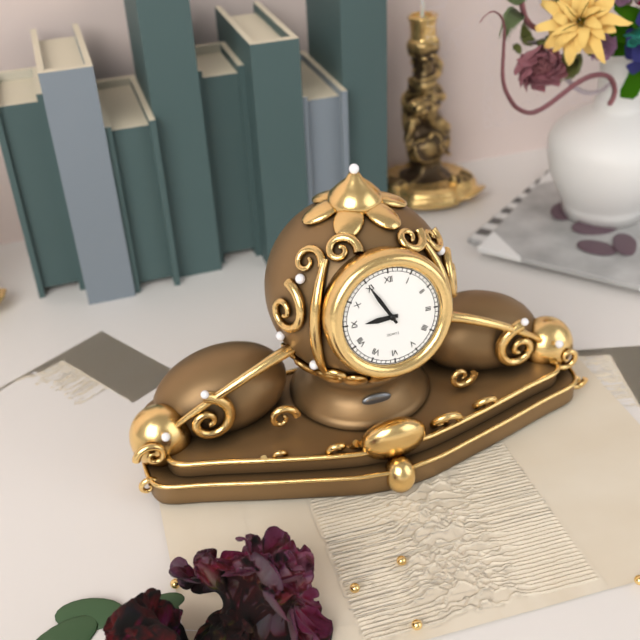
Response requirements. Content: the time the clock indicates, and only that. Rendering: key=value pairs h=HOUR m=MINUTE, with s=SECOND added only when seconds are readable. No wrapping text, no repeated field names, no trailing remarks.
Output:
h=8 m=55
